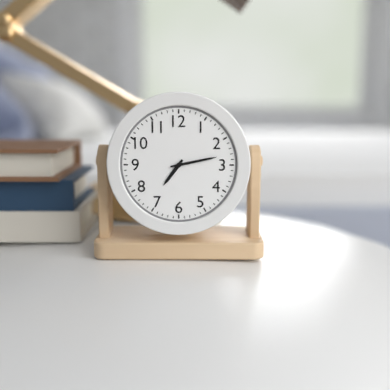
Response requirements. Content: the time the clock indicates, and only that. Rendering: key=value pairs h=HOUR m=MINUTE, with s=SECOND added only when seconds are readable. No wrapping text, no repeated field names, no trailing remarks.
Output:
h=7 m=13
